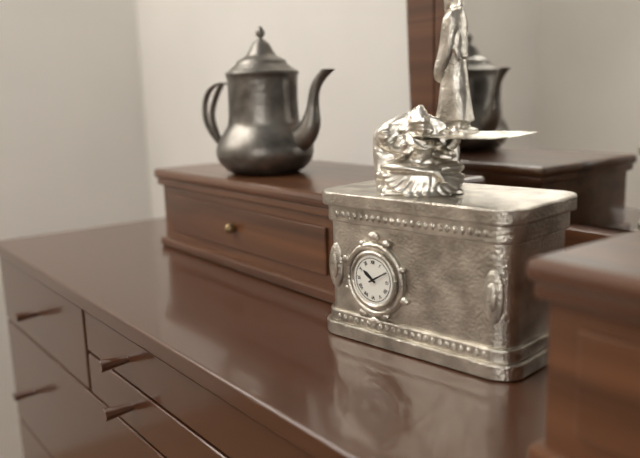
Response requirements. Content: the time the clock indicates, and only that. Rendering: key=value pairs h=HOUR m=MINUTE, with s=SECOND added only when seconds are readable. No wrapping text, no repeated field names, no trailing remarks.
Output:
h=10 m=10
